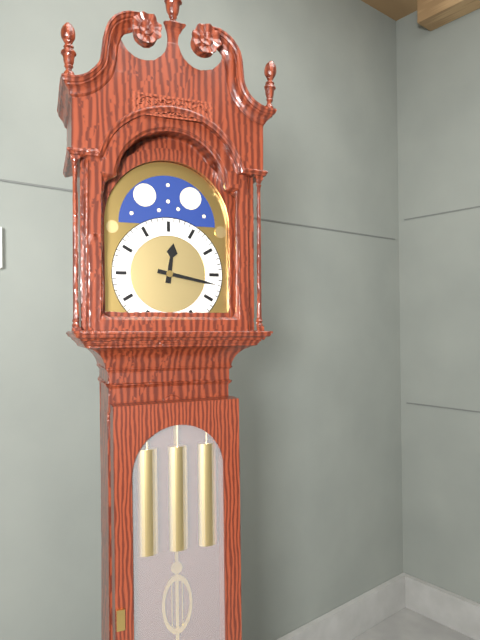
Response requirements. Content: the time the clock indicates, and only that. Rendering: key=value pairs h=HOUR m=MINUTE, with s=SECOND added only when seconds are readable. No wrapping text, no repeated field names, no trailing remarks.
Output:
h=12 m=17
